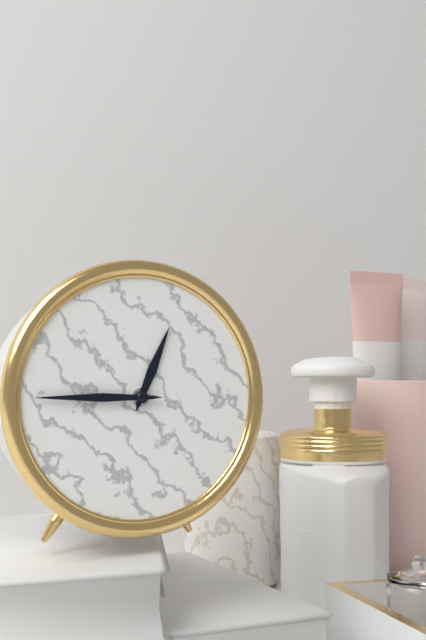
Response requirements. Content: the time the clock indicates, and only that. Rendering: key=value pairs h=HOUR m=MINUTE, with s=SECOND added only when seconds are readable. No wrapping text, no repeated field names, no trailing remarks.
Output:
h=12 m=45
